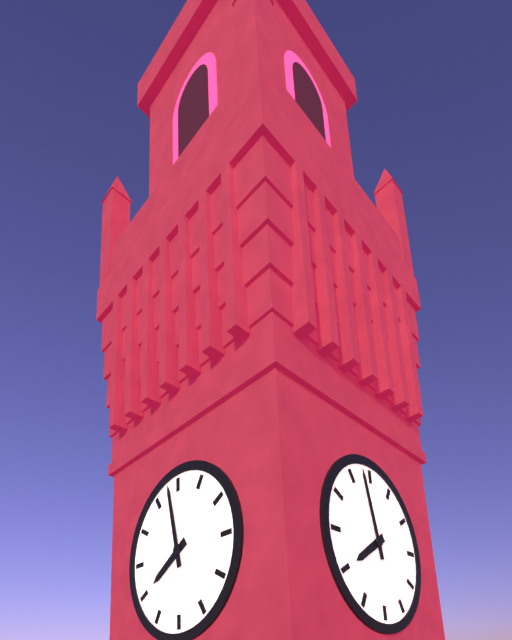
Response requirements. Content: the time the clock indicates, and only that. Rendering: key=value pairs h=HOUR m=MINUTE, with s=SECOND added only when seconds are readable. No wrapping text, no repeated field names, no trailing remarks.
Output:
h=7 m=58
